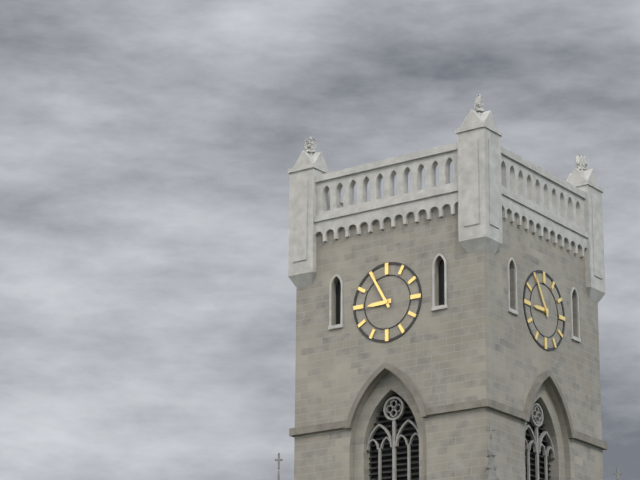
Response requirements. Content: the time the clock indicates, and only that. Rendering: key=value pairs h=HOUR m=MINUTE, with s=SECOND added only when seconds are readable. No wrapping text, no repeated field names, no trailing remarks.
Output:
h=8 m=55
